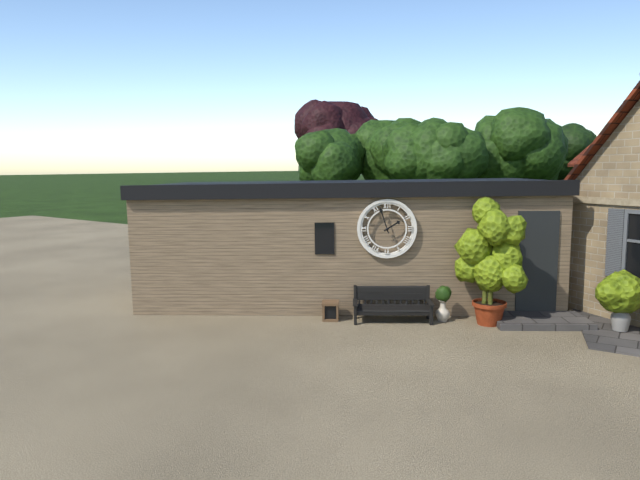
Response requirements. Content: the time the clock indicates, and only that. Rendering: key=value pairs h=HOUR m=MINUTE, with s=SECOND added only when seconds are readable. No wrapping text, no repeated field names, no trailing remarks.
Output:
h=1 m=57
